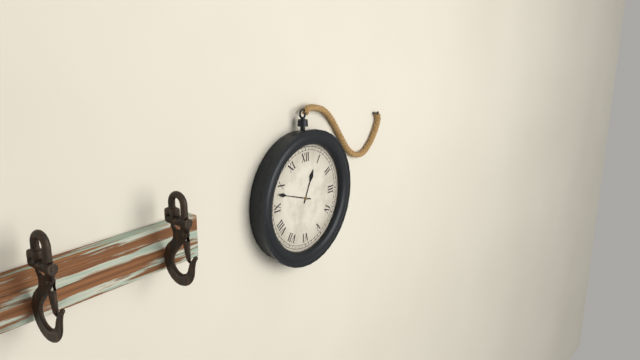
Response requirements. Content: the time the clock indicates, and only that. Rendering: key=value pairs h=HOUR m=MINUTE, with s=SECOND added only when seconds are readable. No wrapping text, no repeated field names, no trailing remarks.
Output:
h=12 m=48
